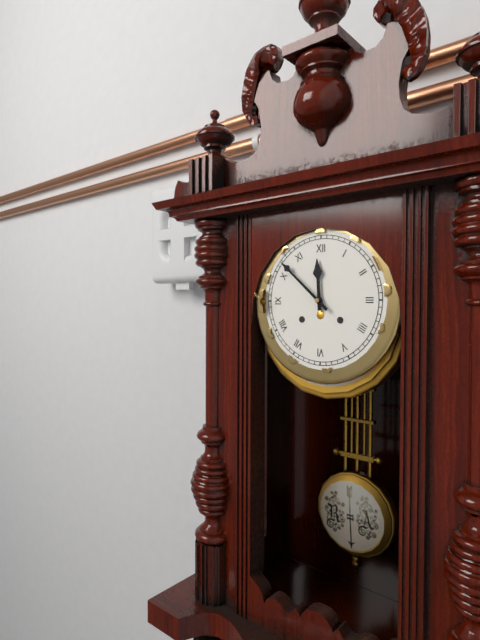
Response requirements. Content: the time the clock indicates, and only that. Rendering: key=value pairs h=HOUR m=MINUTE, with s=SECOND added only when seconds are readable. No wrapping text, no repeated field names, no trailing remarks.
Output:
h=11 m=52
